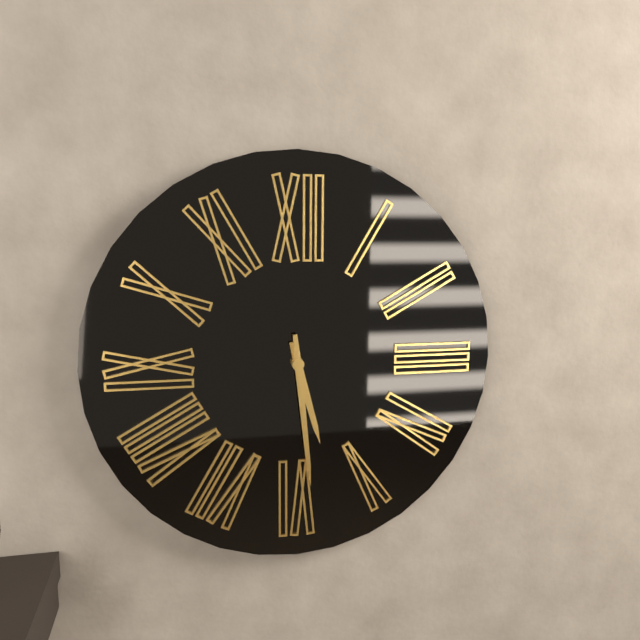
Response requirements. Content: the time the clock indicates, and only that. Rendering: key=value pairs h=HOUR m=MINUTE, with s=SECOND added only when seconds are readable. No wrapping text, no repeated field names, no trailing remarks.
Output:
h=5 m=29
